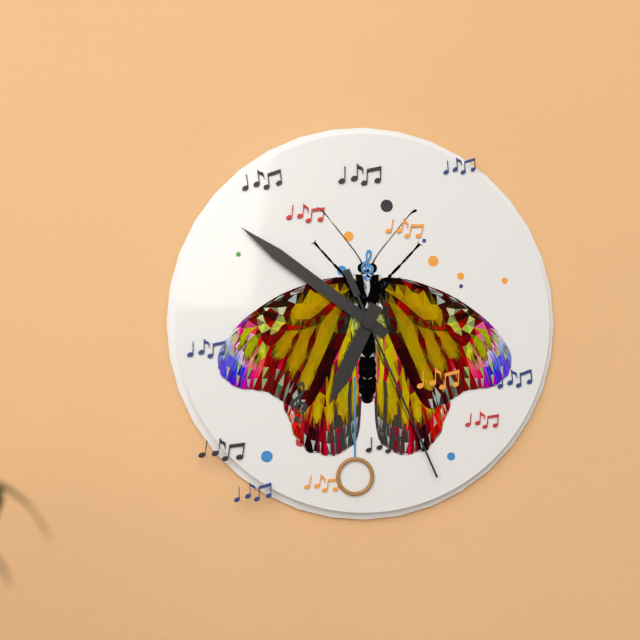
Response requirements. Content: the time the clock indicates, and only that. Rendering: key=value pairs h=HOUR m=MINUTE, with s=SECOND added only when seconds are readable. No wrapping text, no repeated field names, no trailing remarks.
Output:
h=6 m=51 s=26
